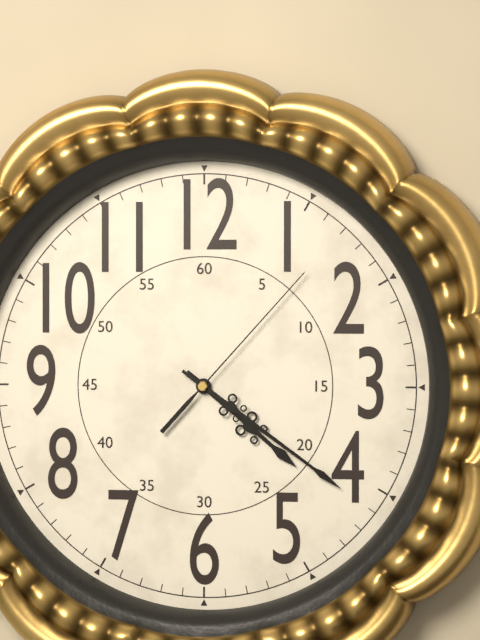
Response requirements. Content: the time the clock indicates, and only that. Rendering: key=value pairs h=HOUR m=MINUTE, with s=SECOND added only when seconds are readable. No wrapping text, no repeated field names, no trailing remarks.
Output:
h=4 m=21 s=7
